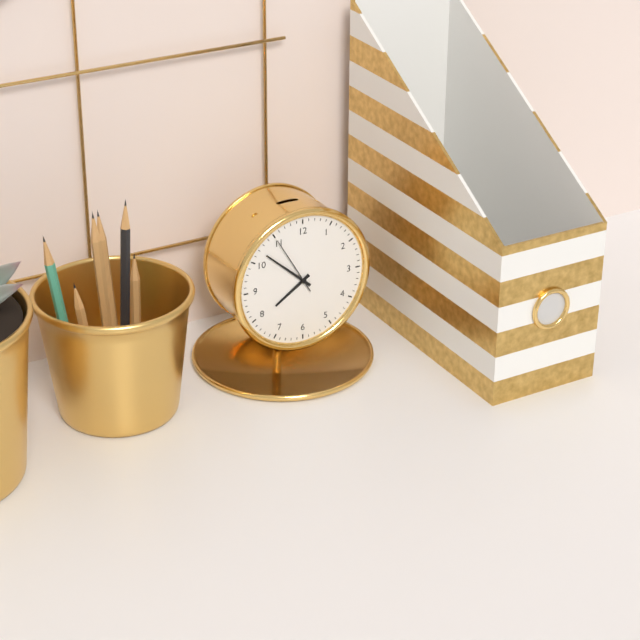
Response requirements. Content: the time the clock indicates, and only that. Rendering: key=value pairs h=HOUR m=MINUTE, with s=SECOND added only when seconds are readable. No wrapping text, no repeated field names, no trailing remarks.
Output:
h=7 m=52 s=55
